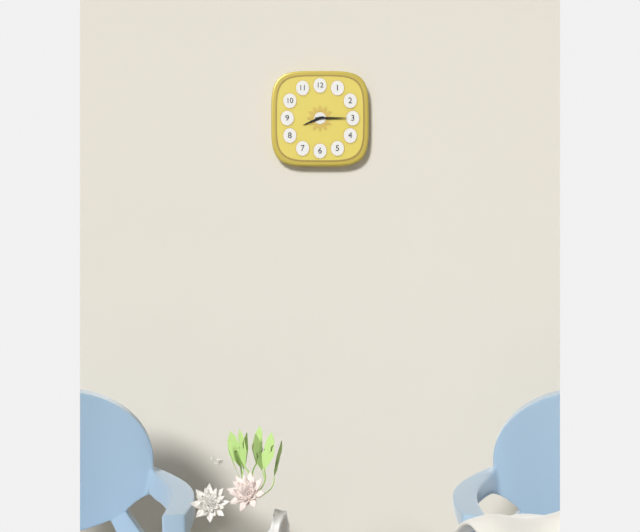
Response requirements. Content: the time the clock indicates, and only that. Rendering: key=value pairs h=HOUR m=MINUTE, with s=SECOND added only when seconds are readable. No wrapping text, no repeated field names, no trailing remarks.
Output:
h=8 m=15
